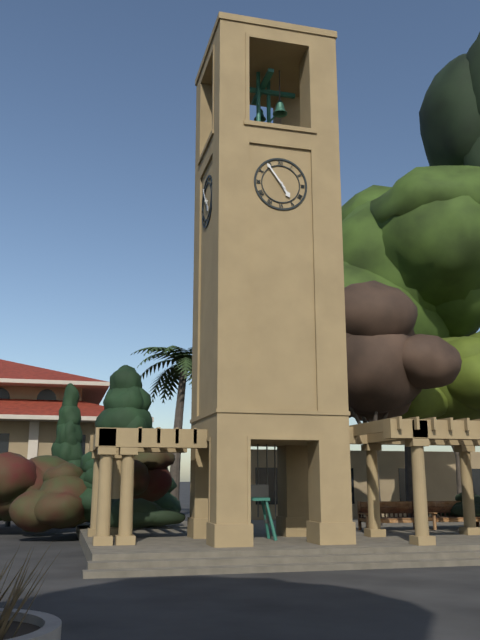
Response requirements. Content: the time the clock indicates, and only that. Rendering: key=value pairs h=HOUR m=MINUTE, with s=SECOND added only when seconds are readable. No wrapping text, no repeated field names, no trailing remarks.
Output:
h=4 m=54
